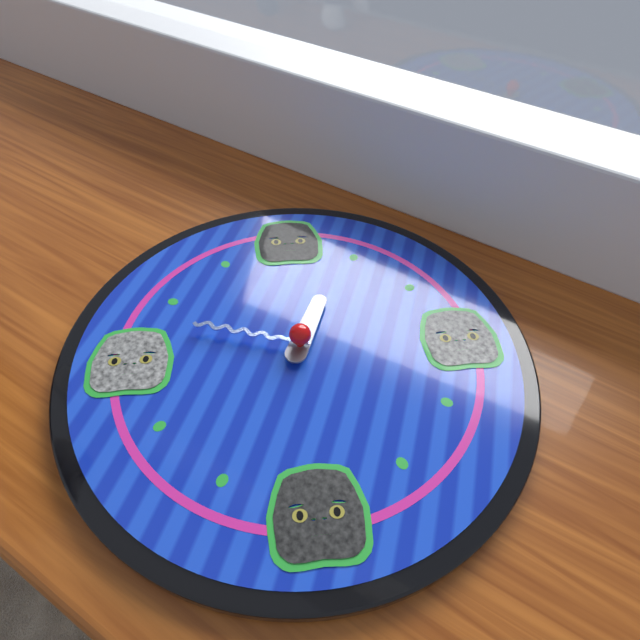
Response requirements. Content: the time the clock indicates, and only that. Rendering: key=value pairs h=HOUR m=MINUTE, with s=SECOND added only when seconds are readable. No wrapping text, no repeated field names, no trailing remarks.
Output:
h=12 m=48
